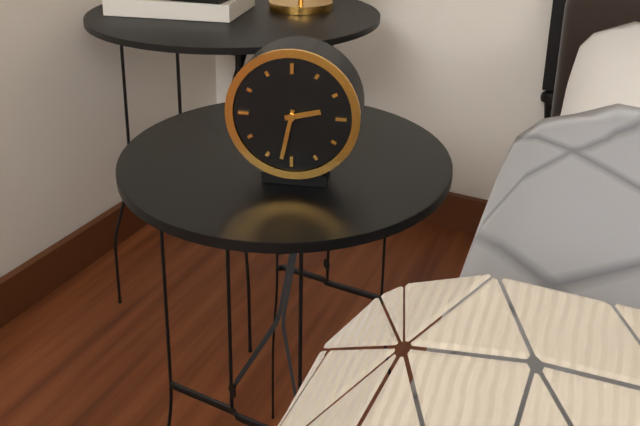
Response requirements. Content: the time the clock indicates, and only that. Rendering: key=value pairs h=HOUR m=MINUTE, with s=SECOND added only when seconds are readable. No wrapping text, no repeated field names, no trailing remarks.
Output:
h=2 m=32
